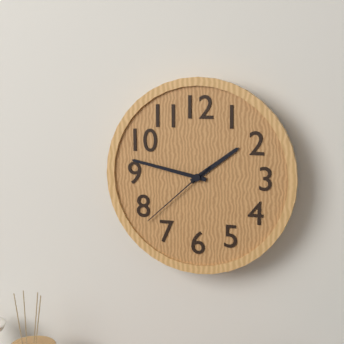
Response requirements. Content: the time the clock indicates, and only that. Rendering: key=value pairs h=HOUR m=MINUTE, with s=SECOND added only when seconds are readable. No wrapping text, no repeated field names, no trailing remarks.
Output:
h=1 m=47 s=38
